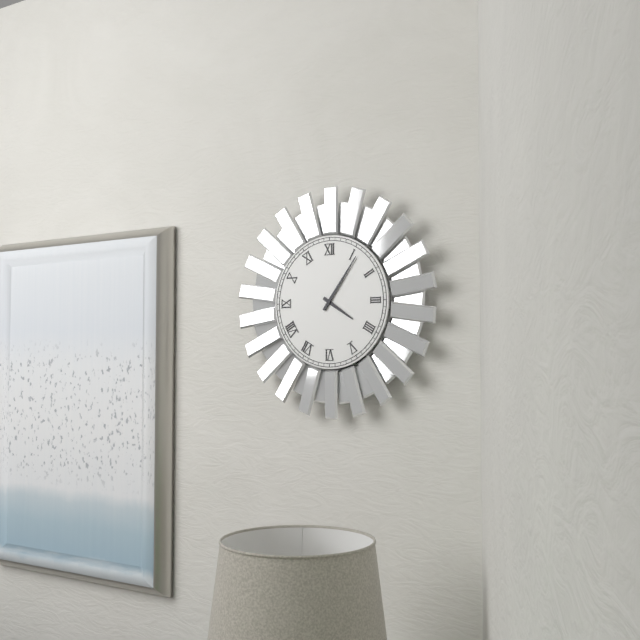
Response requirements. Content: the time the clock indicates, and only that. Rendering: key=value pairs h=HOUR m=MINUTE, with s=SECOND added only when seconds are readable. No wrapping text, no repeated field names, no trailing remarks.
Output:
h=4 m=6
